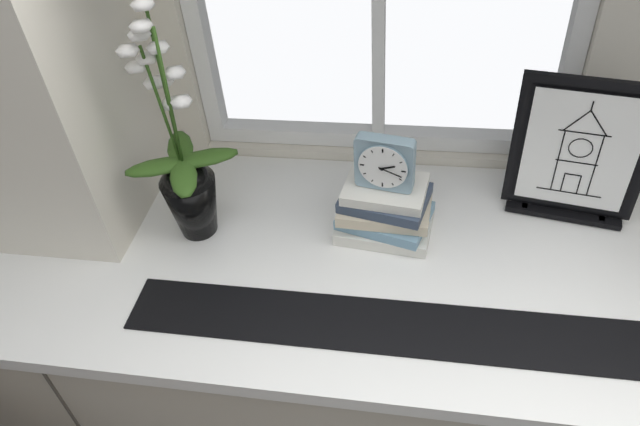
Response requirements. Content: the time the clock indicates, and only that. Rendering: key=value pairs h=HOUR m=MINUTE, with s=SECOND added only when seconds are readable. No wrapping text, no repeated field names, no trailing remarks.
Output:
h=2 m=18
